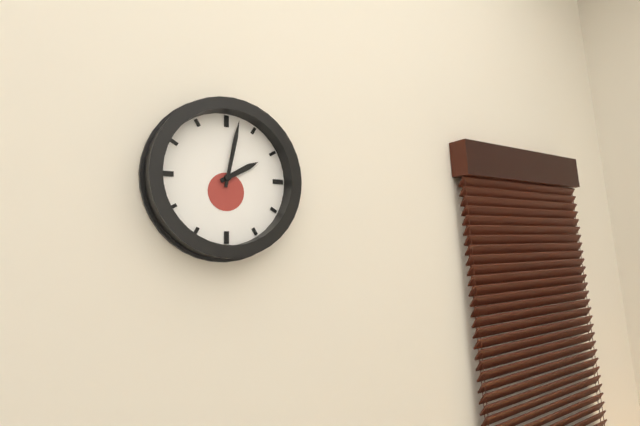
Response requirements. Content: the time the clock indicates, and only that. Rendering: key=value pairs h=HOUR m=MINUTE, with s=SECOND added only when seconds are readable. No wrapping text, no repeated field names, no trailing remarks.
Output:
h=2 m=2
